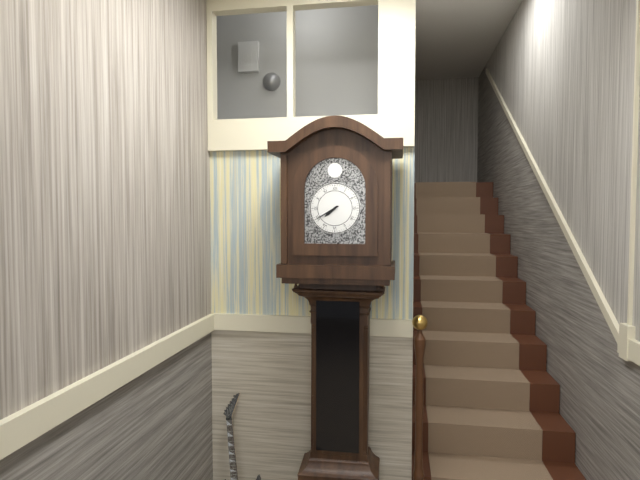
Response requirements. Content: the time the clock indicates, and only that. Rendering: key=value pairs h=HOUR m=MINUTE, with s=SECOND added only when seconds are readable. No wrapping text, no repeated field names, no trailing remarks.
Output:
h=7 m=40
